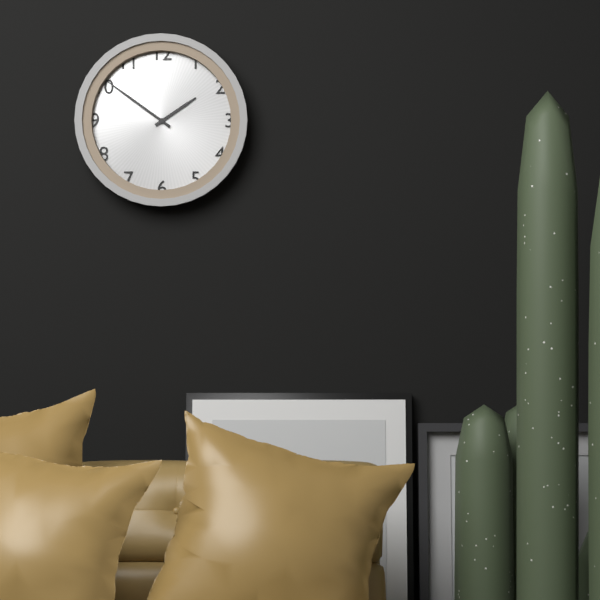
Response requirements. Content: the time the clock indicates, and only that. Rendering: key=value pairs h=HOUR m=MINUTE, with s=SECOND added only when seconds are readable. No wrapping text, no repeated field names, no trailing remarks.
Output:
h=1 m=51
